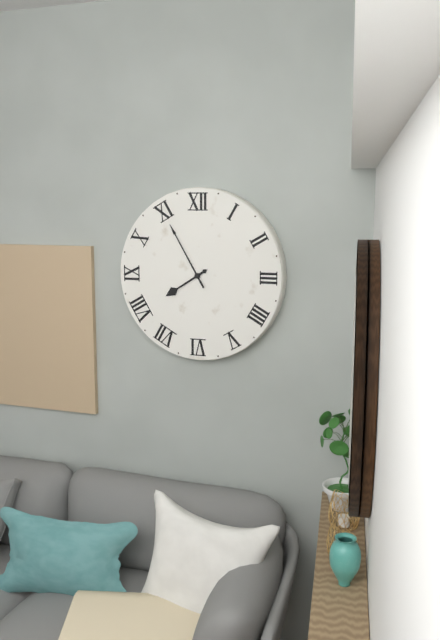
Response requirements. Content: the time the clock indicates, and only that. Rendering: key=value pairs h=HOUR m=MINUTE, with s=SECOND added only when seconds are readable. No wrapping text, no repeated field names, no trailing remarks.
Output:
h=7 m=55
